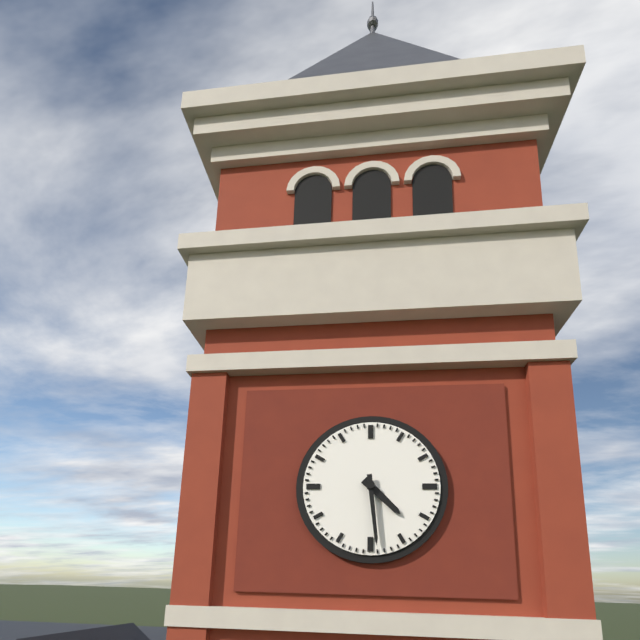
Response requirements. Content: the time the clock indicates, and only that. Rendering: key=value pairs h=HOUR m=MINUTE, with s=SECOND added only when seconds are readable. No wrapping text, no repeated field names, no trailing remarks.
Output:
h=4 m=29
